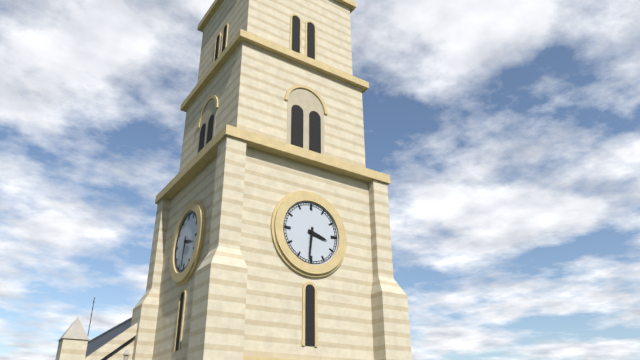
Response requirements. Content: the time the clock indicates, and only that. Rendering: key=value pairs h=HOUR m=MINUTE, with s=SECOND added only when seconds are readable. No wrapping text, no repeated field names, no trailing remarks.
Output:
h=3 m=31
